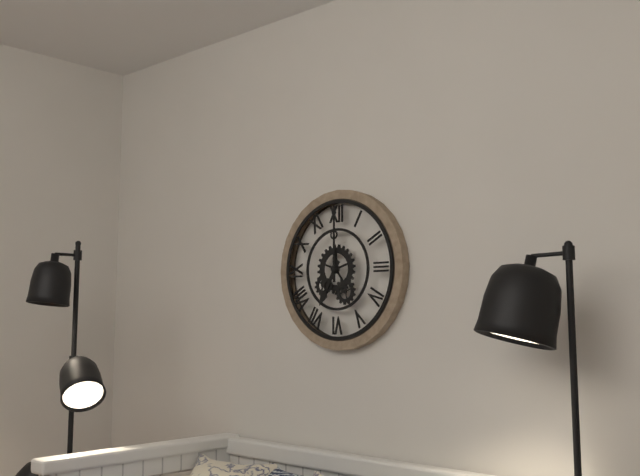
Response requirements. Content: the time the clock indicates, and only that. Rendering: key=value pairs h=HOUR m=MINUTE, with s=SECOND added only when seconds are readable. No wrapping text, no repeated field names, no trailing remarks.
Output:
h=7 m=0
